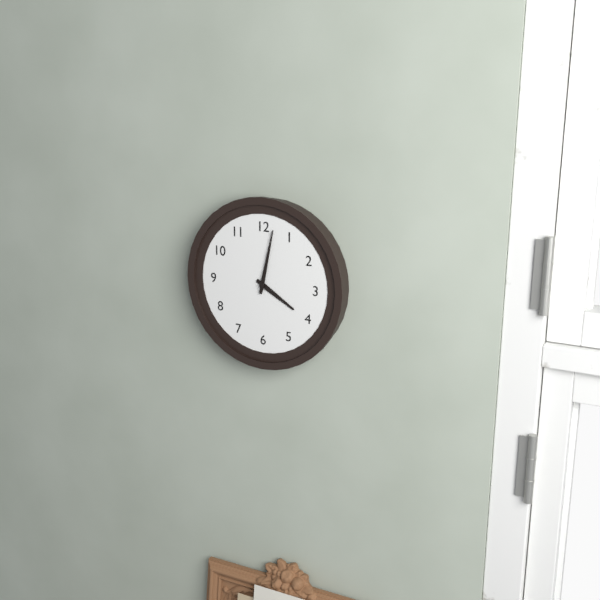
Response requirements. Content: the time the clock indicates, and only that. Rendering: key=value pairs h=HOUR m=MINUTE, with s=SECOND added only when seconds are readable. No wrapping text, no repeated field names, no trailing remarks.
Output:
h=4 m=2
